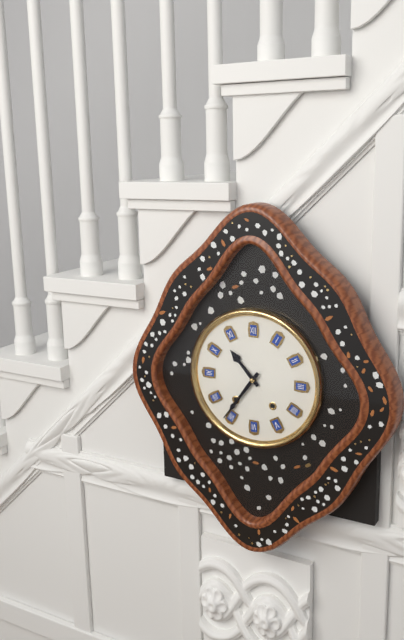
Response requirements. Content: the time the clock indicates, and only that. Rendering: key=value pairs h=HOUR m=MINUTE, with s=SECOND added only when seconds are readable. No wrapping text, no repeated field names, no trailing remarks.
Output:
h=10 m=36
